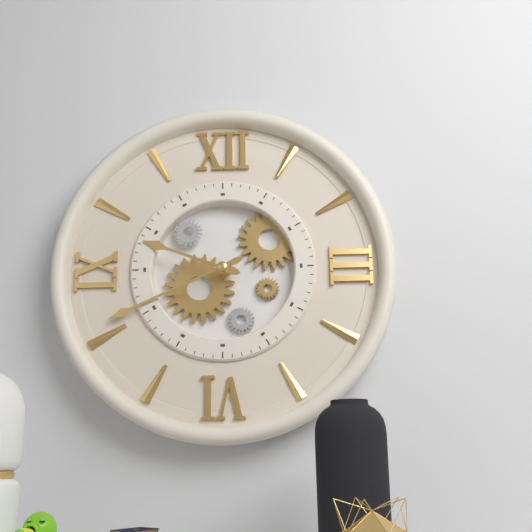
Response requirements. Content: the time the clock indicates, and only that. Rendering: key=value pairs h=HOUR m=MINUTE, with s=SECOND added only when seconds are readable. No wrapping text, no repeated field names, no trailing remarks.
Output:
h=9 m=41
